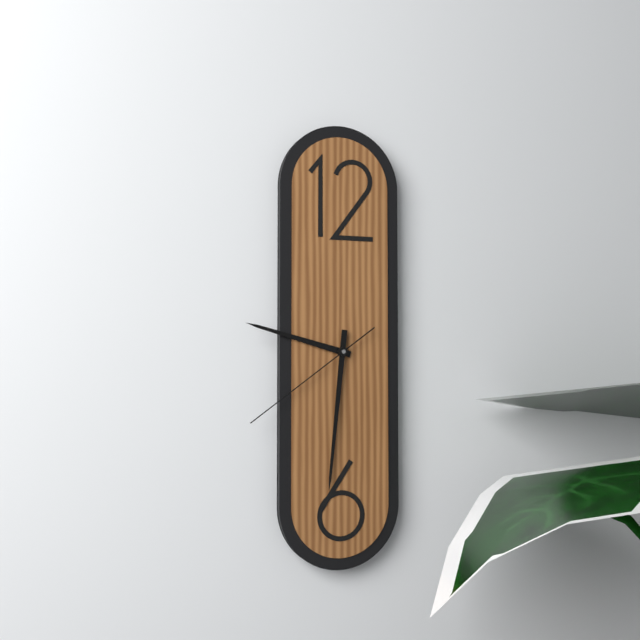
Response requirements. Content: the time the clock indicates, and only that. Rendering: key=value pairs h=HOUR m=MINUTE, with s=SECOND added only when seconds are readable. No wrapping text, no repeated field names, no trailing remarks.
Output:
h=9 m=31 s=39
